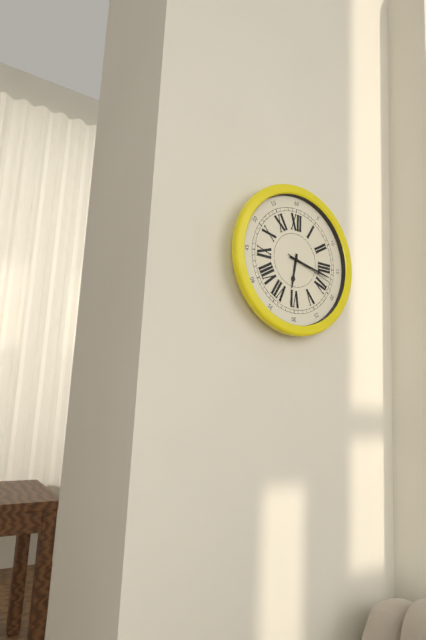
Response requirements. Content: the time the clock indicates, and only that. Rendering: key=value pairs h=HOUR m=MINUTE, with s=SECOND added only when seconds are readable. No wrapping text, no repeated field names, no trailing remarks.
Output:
h=6 m=17 s=18
